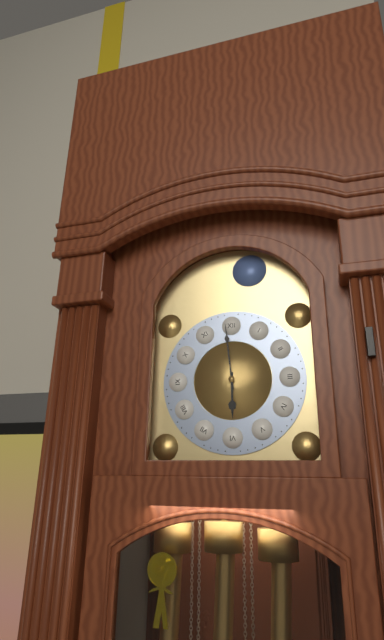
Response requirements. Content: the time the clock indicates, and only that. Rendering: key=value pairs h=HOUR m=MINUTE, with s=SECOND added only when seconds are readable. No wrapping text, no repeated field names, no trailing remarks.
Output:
h=5 m=59
